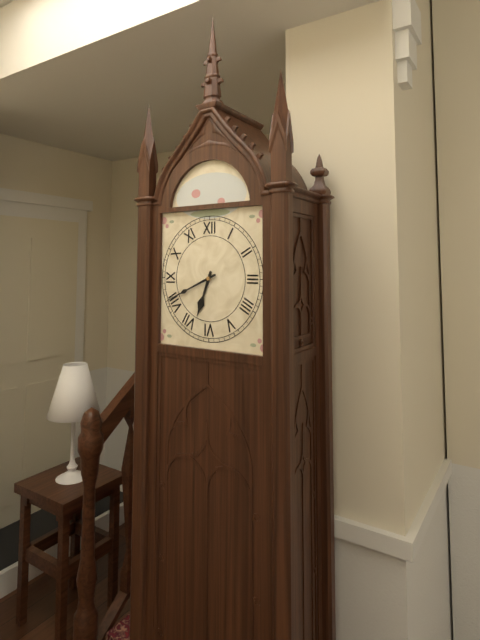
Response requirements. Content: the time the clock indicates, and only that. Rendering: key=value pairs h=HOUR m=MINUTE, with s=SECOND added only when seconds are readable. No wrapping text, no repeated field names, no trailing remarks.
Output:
h=6 m=41
